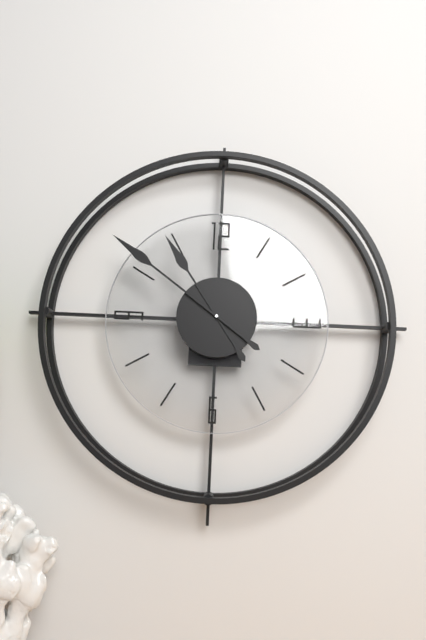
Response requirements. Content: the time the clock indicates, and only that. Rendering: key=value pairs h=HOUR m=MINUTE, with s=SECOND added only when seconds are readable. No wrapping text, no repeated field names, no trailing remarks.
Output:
h=10 m=51
